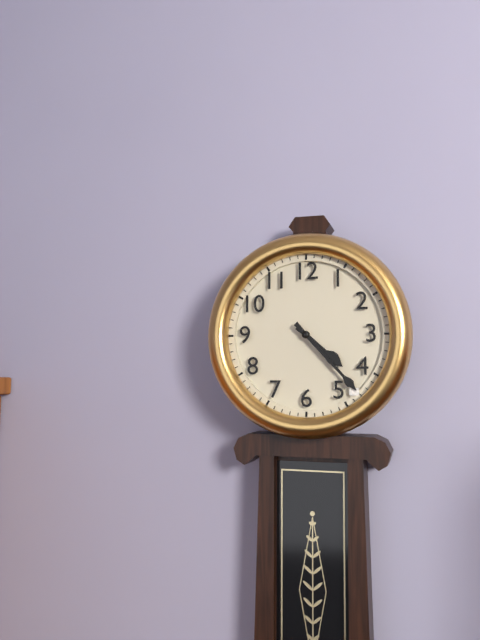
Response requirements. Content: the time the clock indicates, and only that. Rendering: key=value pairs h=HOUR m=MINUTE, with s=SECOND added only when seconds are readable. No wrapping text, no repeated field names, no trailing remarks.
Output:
h=4 m=23
